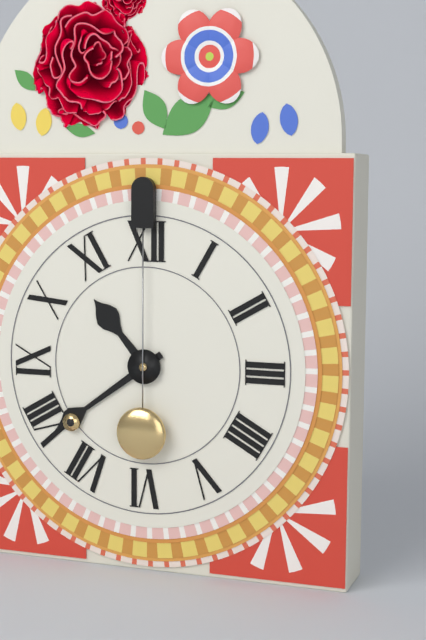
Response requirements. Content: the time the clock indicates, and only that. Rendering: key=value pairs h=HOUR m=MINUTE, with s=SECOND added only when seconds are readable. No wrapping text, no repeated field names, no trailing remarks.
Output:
h=10 m=39
